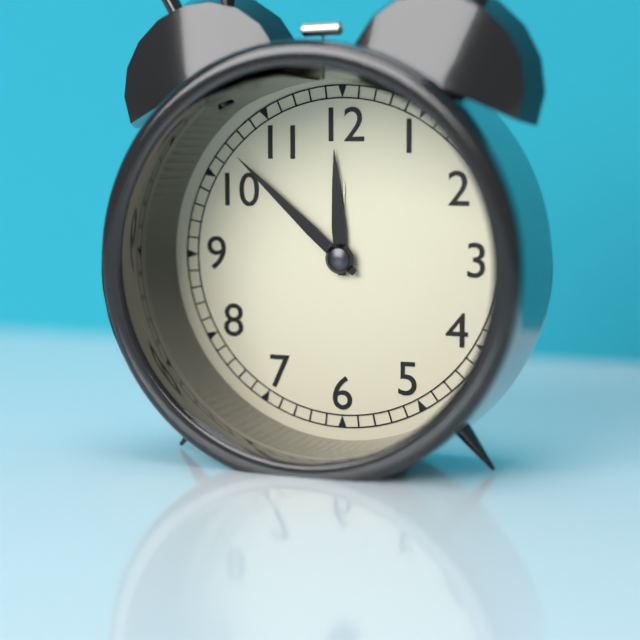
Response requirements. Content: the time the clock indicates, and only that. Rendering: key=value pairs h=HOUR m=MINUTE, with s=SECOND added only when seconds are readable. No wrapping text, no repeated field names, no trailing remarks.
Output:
h=11 m=52
